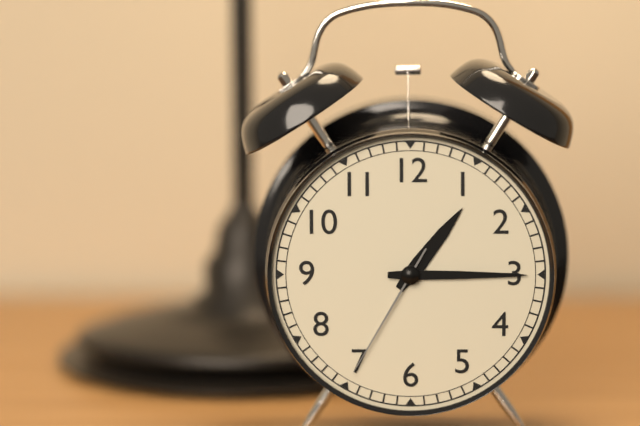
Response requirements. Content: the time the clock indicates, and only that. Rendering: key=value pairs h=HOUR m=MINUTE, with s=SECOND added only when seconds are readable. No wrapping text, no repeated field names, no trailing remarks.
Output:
h=1 m=15 s=35
